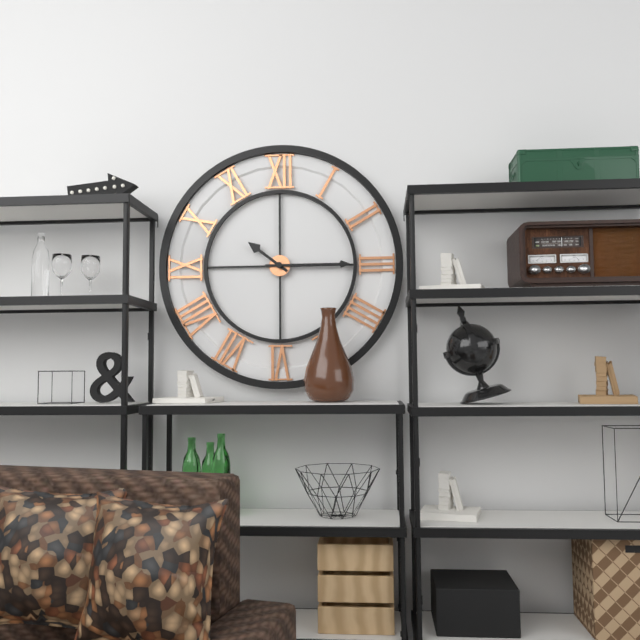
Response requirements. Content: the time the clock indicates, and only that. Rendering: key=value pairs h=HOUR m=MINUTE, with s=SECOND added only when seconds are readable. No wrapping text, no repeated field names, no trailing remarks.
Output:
h=10 m=15
